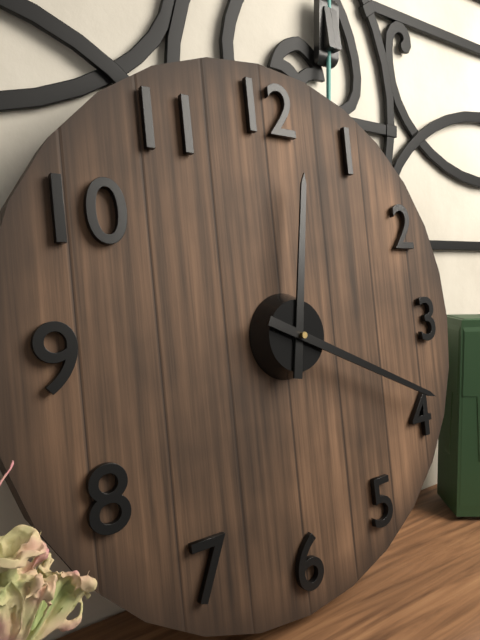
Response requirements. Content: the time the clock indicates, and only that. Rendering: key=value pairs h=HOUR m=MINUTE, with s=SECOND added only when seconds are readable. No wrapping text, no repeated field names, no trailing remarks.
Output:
h=12 m=19
